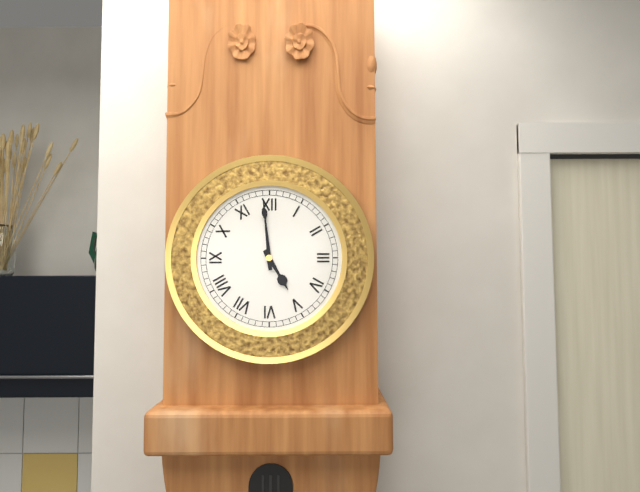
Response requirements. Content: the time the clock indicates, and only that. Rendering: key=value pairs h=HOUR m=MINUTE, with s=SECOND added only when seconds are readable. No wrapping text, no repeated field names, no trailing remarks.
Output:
h=4 m=59
